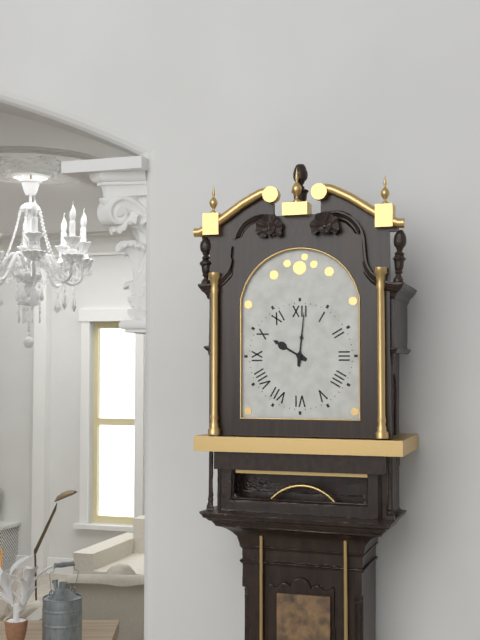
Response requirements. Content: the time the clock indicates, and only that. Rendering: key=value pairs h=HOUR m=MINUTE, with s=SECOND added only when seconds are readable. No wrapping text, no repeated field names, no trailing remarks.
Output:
h=10 m=1
